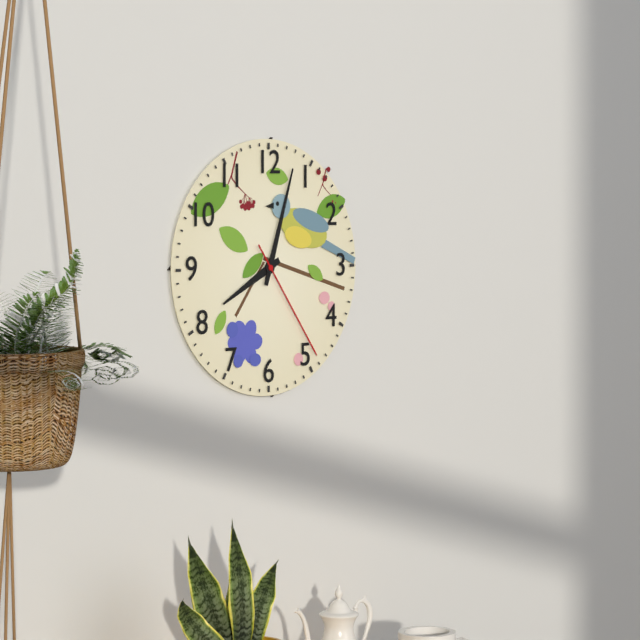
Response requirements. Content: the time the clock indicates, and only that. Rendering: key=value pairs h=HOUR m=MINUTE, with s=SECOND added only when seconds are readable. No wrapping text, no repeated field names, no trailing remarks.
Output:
h=8 m=3 s=24
